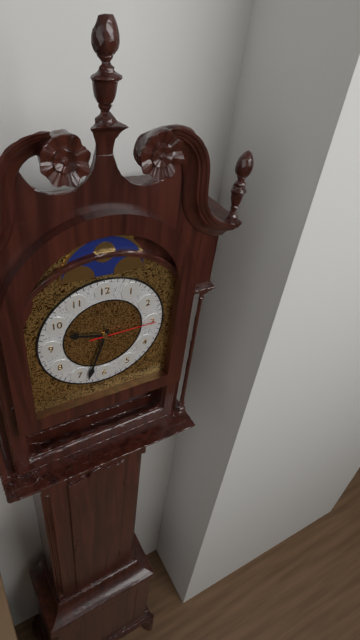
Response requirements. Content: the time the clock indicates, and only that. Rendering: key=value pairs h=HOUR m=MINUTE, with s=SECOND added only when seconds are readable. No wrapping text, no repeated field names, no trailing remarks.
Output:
h=9 m=33 s=15
